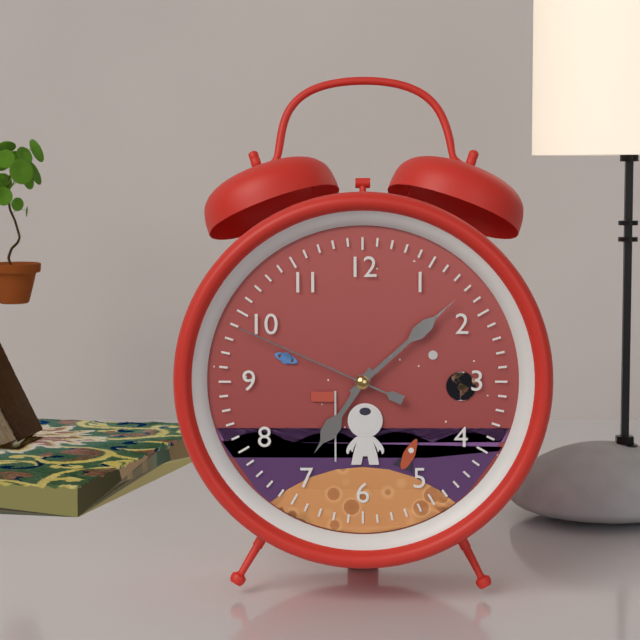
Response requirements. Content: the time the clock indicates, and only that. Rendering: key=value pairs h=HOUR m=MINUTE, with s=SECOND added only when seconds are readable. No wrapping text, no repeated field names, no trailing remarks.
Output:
h=7 m=8 s=49
